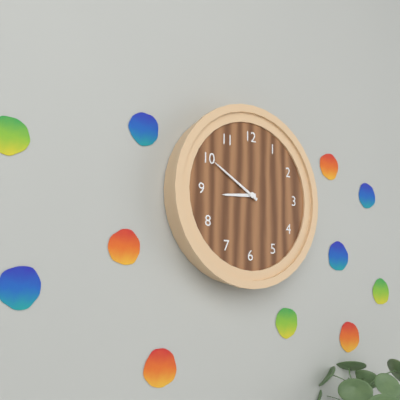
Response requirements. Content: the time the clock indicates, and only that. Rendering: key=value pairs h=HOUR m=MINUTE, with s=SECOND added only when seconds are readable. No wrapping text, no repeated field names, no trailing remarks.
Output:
h=8 m=50
